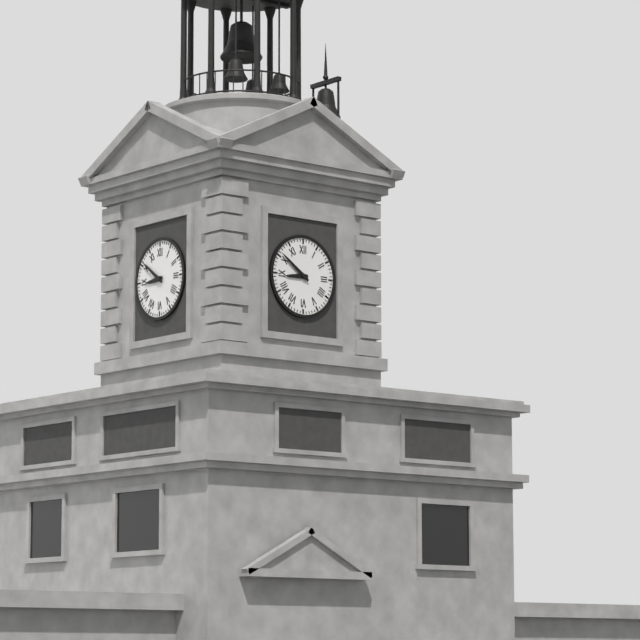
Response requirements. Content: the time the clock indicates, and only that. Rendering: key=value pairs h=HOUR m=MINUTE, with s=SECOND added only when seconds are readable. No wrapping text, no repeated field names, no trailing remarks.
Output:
h=8 m=51
